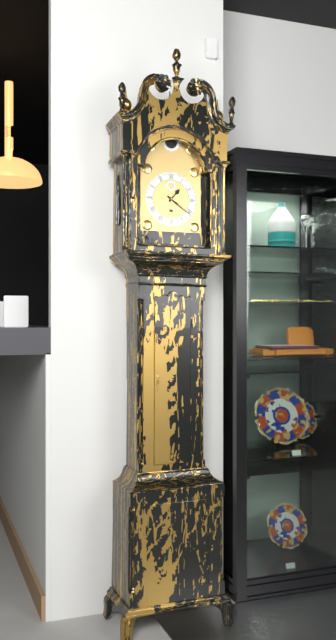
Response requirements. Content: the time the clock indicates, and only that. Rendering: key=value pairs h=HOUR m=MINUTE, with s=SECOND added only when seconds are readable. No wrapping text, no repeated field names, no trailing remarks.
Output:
h=1 m=21
